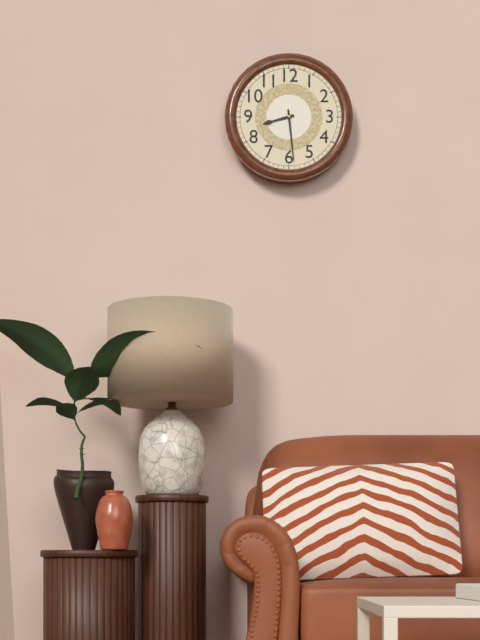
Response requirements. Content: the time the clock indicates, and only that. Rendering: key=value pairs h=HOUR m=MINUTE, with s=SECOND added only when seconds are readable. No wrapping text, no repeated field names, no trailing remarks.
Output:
h=8 m=29
